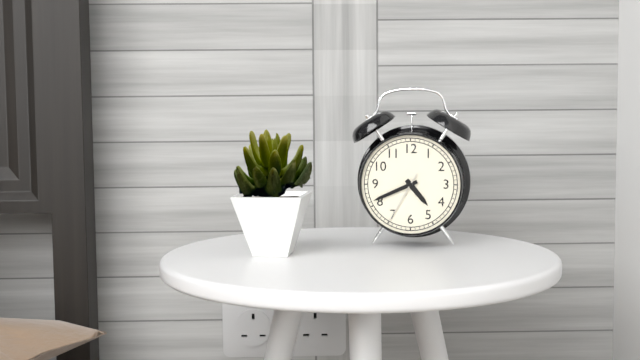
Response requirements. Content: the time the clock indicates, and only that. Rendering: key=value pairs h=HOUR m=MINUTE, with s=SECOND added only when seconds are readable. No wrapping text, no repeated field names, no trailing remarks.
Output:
h=4 m=41 s=35
